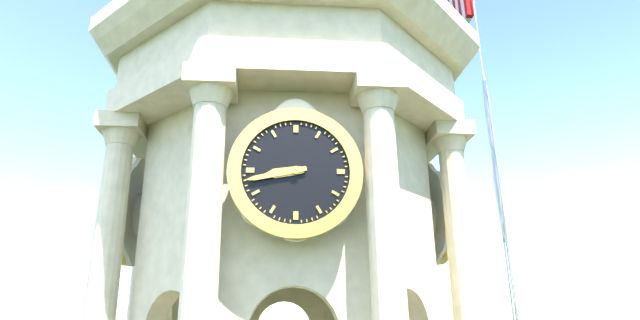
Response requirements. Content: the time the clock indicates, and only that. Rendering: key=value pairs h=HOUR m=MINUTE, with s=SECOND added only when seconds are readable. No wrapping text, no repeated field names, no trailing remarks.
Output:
h=8 m=43
